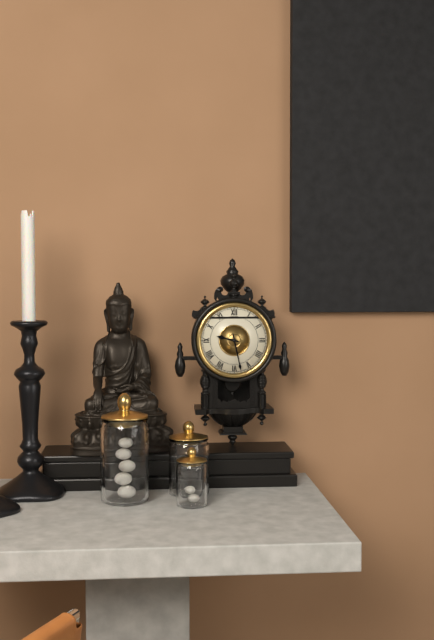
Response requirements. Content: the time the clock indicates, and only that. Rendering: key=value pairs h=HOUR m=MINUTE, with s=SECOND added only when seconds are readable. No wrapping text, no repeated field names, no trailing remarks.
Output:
h=9 m=28
